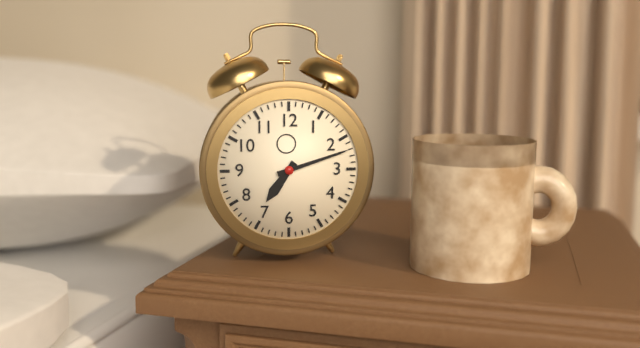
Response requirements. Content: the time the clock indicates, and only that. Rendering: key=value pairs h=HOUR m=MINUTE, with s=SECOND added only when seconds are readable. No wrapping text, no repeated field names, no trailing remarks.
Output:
h=7 m=12
